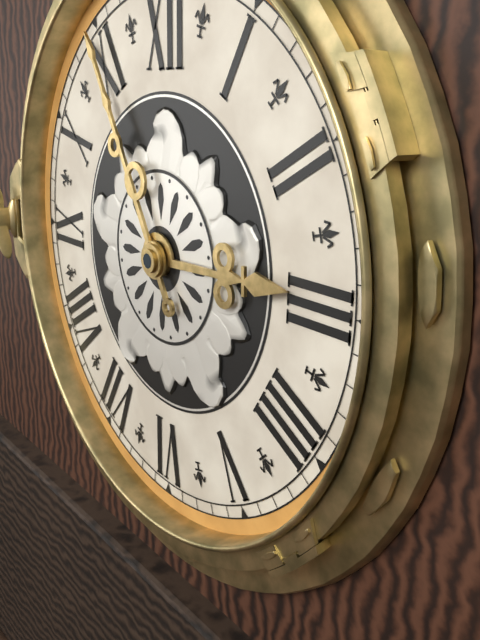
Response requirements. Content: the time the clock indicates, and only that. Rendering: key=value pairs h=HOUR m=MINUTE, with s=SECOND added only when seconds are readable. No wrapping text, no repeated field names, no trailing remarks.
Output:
h=2 m=55
